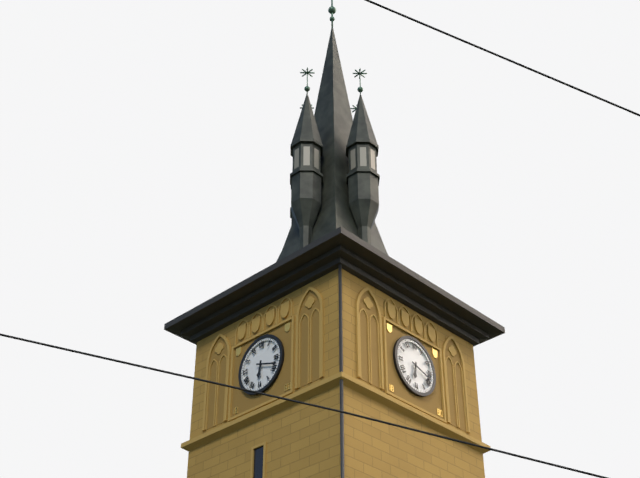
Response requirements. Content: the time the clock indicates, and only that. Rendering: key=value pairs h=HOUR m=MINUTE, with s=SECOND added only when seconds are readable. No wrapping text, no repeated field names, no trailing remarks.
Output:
h=6 m=18
